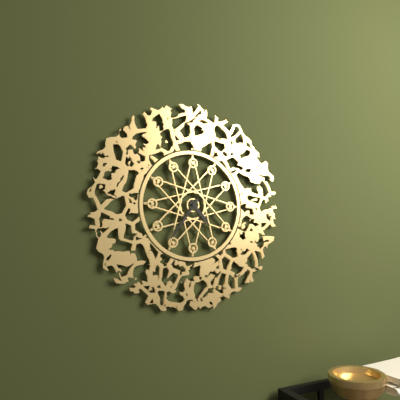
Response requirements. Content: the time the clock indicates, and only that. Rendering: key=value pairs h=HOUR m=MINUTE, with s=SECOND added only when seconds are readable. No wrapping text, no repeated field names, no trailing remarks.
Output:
h=4 m=36
